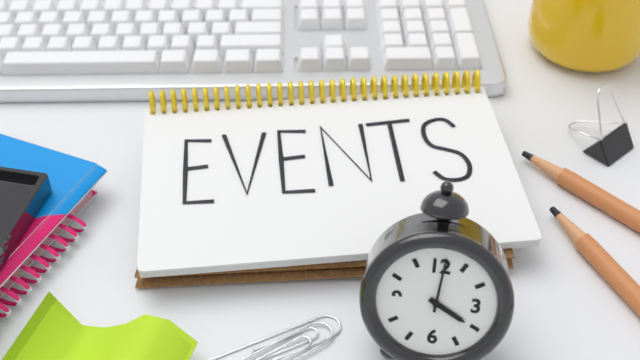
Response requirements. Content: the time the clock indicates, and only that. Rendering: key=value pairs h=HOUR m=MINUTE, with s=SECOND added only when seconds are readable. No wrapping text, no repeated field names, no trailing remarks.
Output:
h=4 m=1
